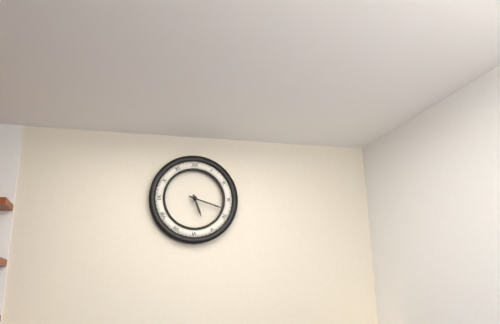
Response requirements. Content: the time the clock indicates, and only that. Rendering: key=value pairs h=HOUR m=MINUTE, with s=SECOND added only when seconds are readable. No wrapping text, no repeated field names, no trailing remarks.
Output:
h=5 m=18
